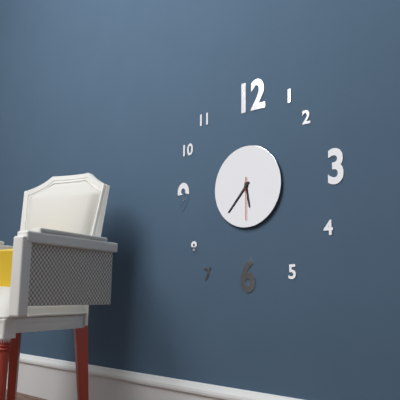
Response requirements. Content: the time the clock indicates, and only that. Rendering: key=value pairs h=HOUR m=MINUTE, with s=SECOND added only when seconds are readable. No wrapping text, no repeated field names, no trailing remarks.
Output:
h=5 m=37
